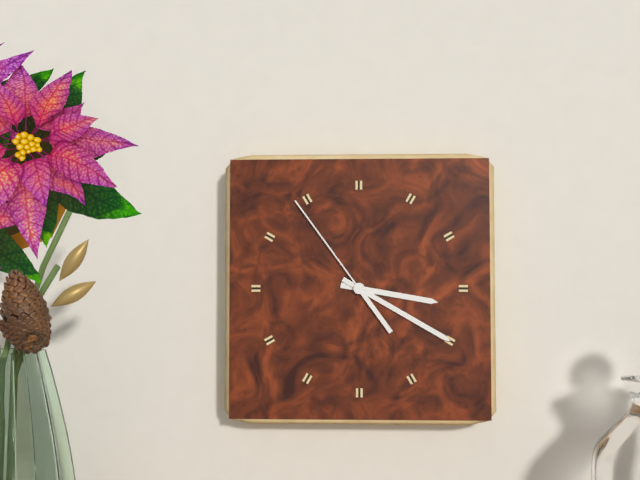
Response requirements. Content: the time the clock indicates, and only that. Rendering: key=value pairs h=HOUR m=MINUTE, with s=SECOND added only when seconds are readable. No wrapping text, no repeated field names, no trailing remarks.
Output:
h=3 m=20 s=54
